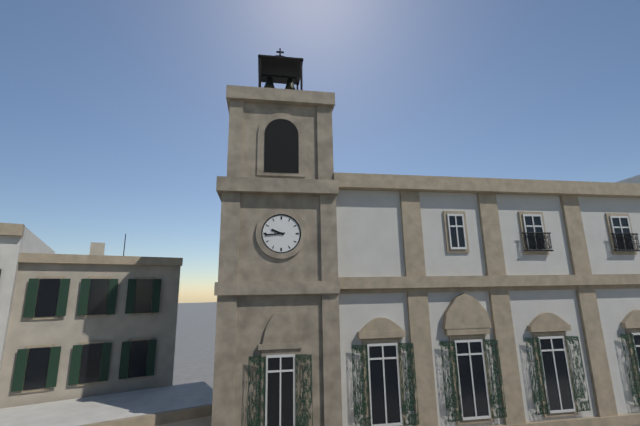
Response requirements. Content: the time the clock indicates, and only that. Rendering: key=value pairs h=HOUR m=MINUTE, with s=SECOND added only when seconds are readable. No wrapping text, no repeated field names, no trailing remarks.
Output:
h=9 m=44
